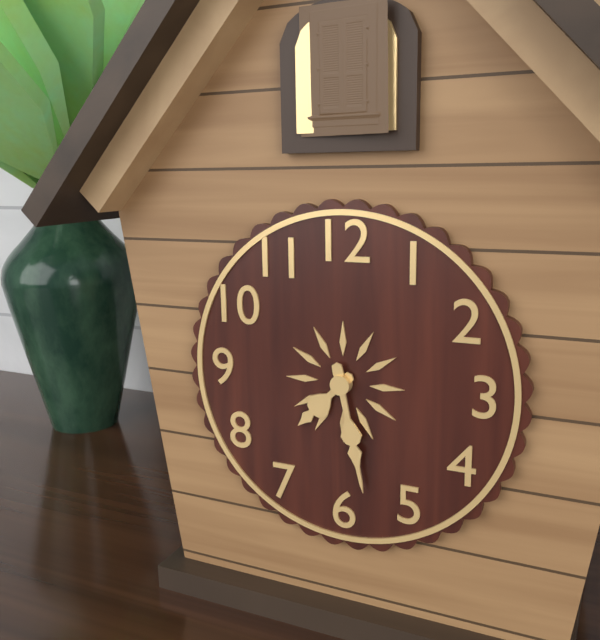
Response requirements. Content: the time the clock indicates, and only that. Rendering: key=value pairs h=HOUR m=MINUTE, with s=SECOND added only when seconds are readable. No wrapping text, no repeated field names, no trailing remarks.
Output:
h=7 m=28
